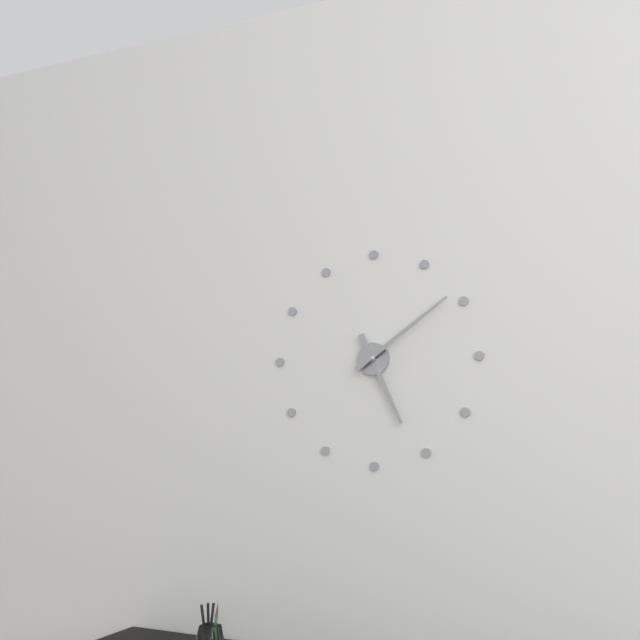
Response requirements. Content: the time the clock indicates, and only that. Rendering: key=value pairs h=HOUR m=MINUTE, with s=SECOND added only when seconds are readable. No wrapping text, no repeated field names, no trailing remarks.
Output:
h=5 m=9
